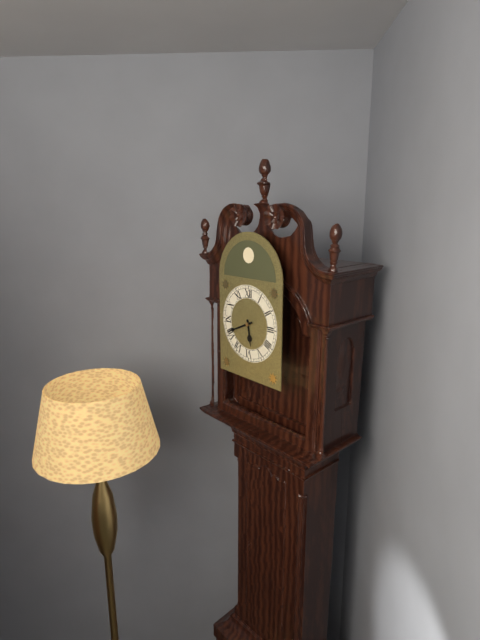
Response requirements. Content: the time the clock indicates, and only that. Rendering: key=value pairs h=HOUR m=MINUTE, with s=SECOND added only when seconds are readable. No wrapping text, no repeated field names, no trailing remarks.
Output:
h=5 m=41
